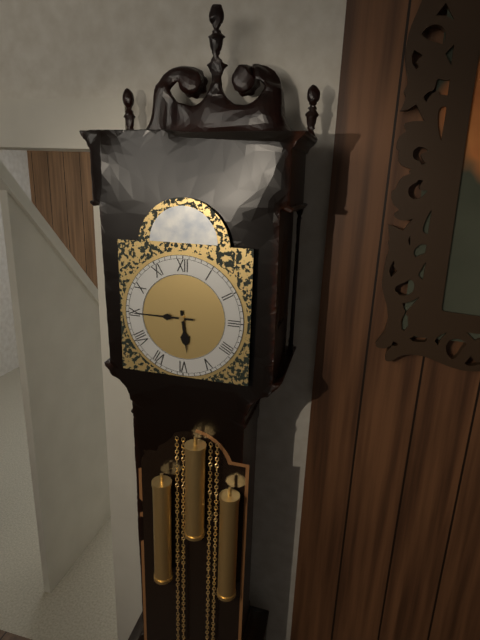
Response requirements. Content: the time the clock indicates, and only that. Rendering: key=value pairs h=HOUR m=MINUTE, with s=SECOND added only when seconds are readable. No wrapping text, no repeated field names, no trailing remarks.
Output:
h=5 m=45
